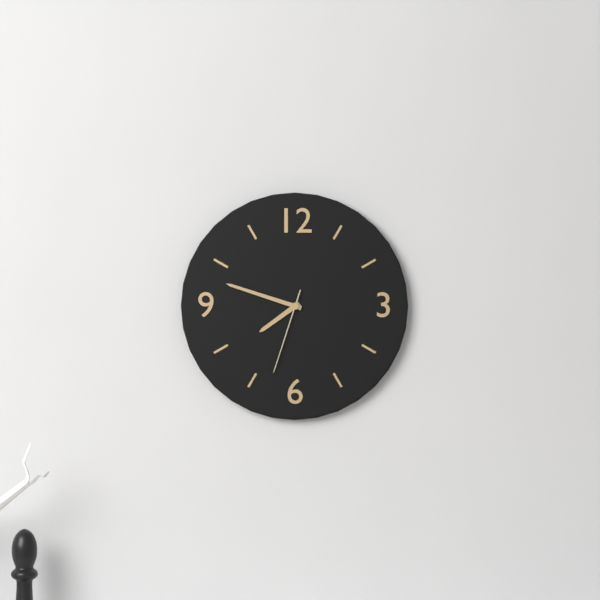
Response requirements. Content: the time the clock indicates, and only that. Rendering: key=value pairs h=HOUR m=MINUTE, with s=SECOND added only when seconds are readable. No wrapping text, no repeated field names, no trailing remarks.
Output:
h=7 m=48 s=33
